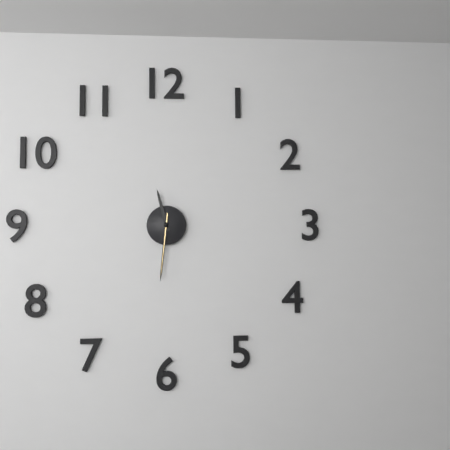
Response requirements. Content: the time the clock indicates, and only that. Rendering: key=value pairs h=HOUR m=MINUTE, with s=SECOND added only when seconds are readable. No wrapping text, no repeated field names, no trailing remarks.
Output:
h=11 m=31 s=31
